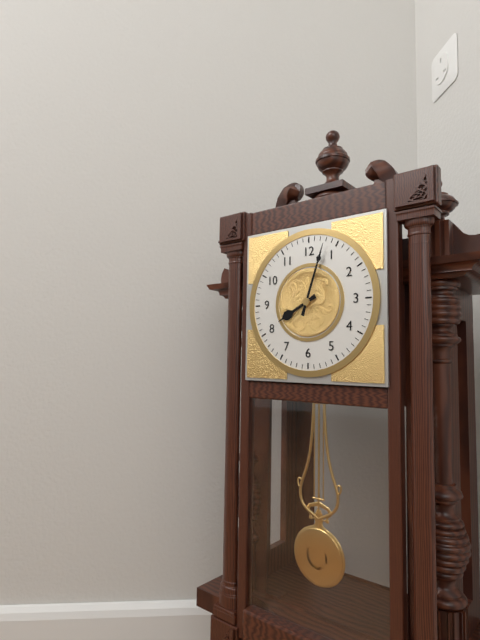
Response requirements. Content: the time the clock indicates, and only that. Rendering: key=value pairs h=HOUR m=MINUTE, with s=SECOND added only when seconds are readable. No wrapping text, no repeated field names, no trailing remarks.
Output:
h=8 m=3
